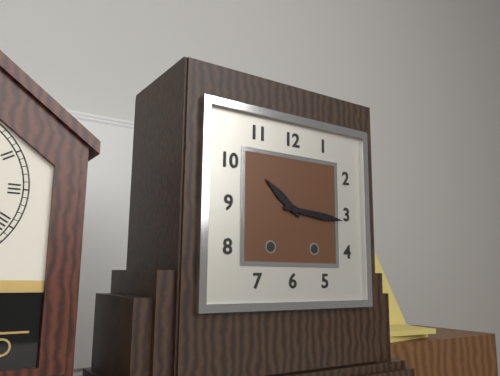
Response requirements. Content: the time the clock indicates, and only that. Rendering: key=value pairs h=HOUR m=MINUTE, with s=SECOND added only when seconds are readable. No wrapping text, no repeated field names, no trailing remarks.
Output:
h=10 m=16
